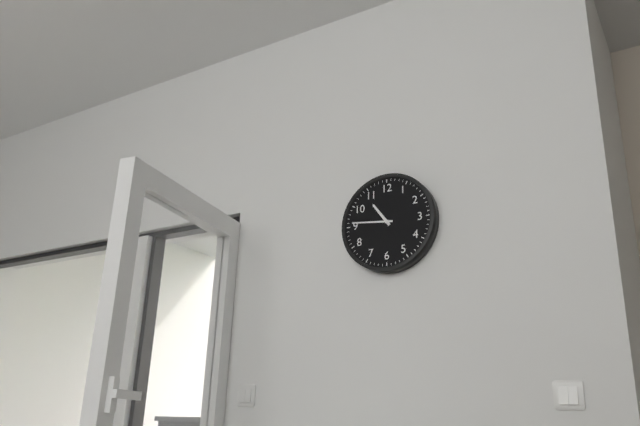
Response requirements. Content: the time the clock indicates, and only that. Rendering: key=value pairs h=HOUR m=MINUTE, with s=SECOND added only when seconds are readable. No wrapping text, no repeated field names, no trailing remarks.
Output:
h=10 m=46
